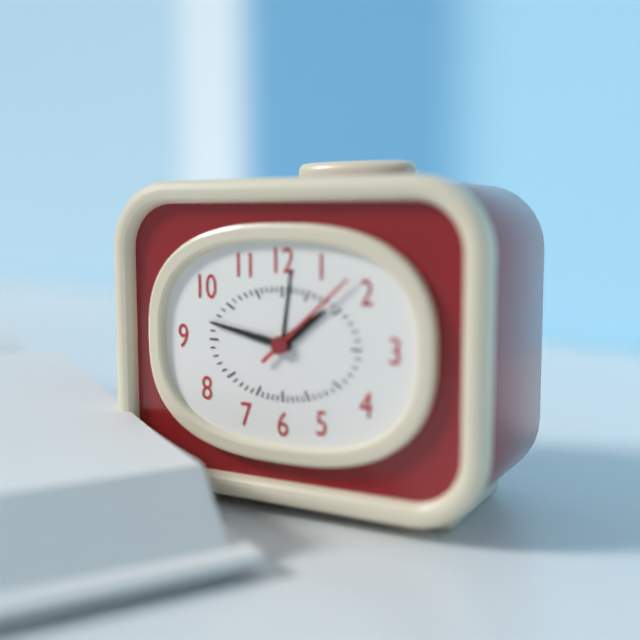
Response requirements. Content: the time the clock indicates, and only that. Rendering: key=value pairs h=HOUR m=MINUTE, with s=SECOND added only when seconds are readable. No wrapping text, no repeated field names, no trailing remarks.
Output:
h=1 m=47 s=8
